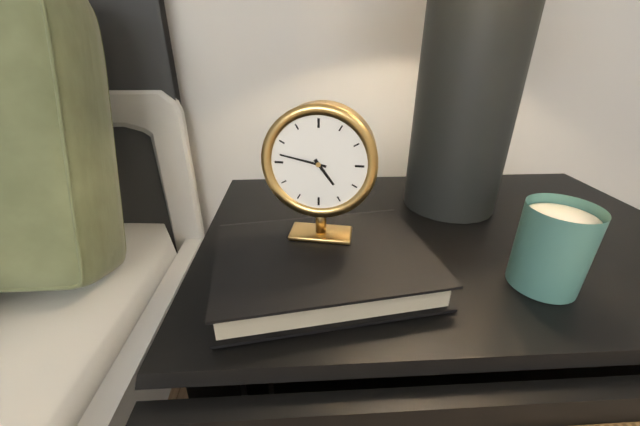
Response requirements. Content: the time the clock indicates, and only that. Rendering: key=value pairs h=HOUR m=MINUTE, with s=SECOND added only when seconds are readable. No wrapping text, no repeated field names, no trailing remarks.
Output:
h=4 m=47
